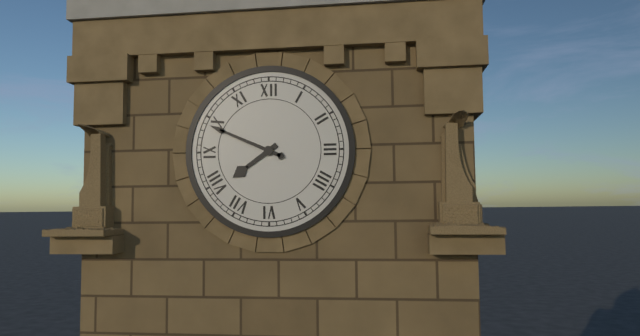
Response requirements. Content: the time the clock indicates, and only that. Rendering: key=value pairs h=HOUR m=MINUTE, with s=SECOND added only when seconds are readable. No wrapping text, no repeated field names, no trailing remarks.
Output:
h=7 m=49
